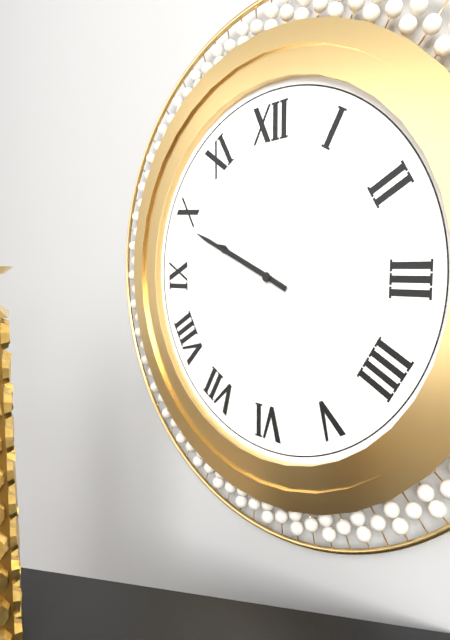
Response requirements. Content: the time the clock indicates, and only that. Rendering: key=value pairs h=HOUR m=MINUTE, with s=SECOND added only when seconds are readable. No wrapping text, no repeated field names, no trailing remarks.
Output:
h=9 m=49
